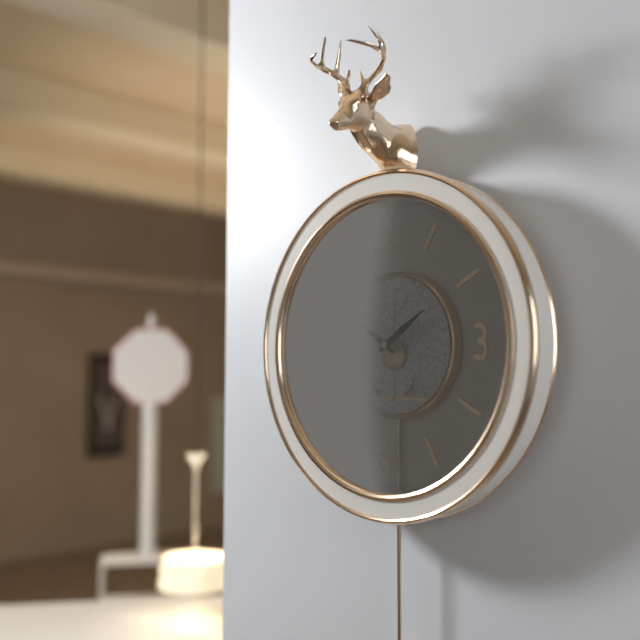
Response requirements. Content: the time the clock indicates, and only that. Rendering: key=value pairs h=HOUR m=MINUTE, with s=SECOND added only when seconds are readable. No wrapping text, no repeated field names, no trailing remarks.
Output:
h=1 m=51
